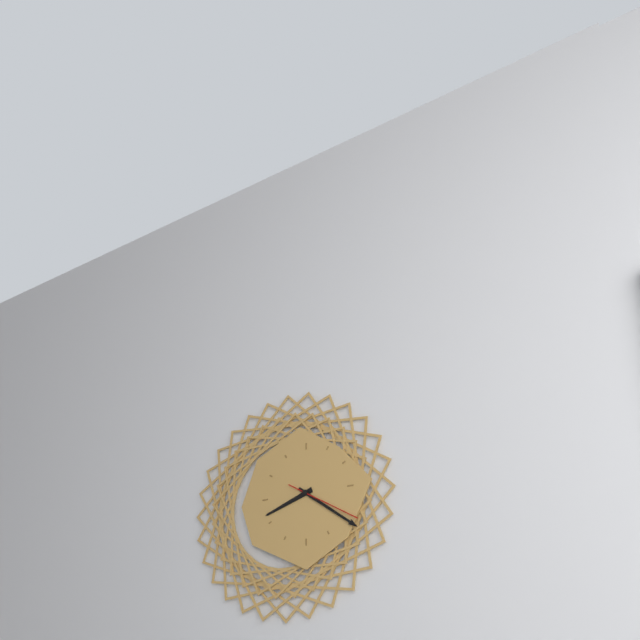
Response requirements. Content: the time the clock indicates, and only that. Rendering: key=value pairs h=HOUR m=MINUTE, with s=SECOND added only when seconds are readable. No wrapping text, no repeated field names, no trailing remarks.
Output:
h=8 m=21 s=20
